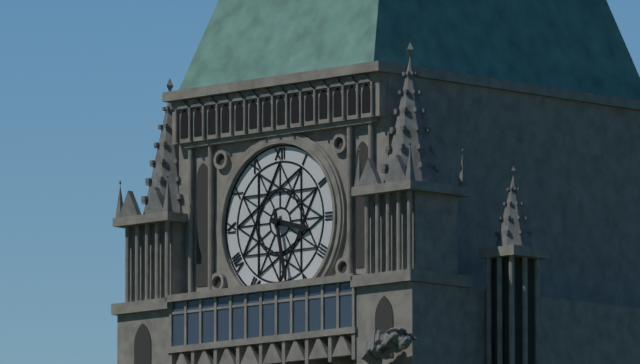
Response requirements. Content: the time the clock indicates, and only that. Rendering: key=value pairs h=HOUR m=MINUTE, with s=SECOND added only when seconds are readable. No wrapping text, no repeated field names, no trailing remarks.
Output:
h=3 m=28
